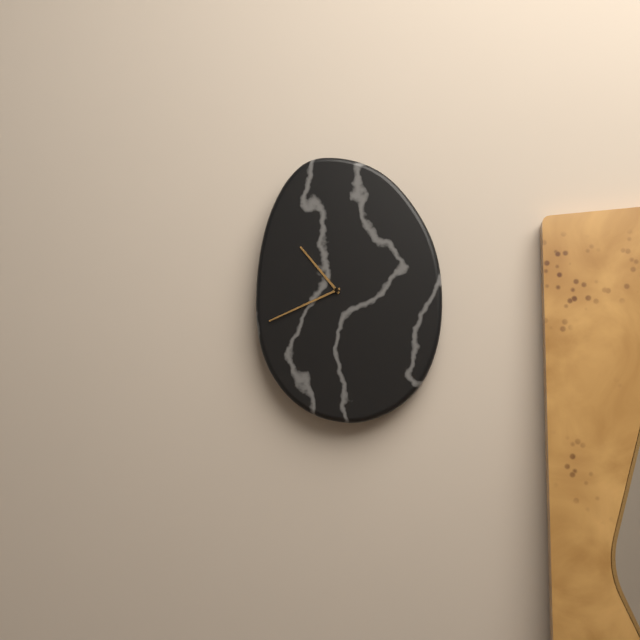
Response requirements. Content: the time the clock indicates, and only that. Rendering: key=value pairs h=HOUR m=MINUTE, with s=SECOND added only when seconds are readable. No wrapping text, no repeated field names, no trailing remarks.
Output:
h=10 m=41
